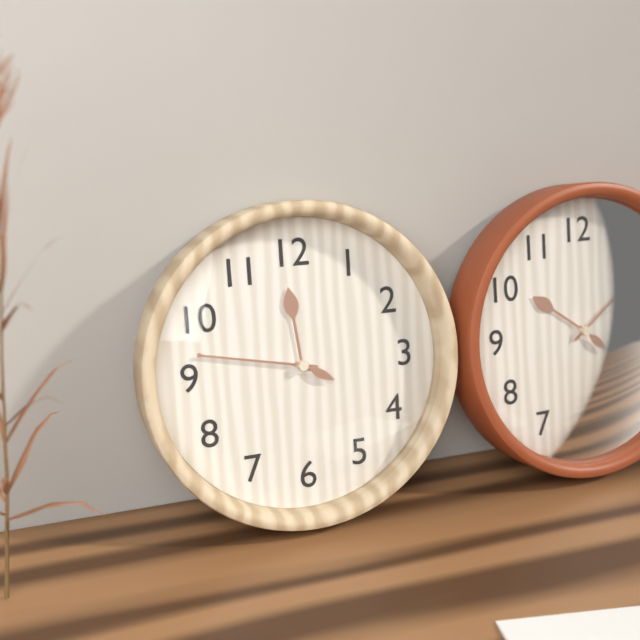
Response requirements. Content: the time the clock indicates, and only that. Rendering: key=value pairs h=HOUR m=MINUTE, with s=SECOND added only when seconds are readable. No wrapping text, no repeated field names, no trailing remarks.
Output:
h=11 m=47
